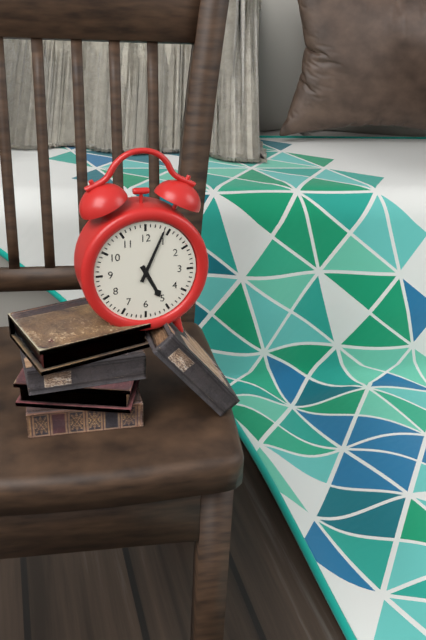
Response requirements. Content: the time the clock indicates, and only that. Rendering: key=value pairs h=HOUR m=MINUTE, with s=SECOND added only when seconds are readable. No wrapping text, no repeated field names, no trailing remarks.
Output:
h=5 m=4
